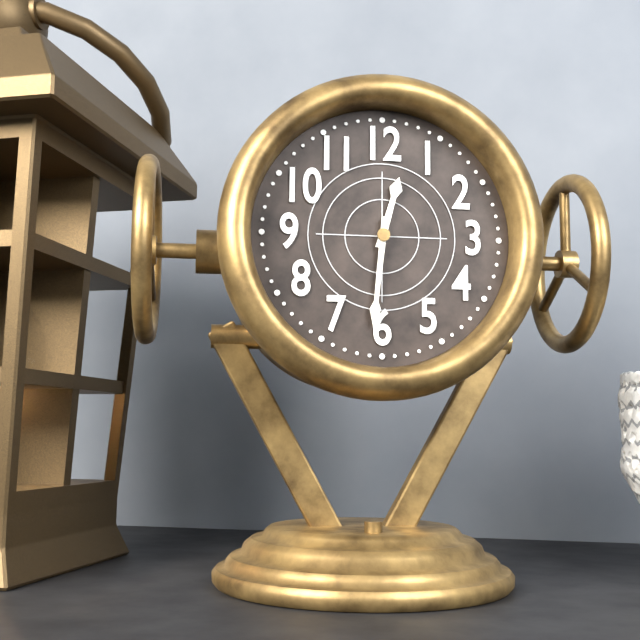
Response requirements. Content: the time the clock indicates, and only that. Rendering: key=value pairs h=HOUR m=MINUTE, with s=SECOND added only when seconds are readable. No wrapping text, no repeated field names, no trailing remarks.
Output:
h=12 m=31
